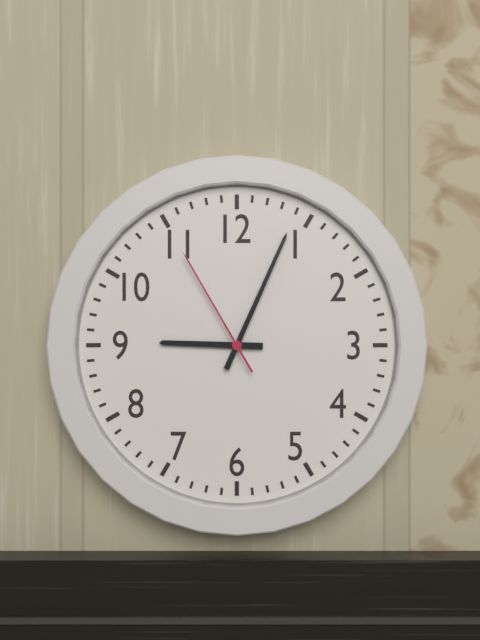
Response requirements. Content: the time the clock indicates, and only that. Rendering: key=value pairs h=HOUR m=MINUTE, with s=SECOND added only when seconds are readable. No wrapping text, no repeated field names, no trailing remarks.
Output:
h=9 m=4 s=55
